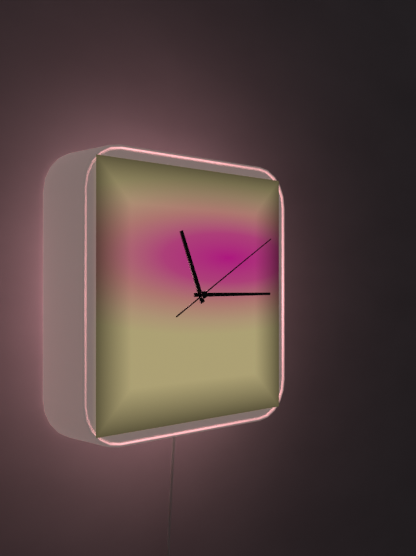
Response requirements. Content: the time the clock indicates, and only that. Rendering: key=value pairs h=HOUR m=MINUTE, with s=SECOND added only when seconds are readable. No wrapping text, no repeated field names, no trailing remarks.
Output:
h=11 m=15 s=10
